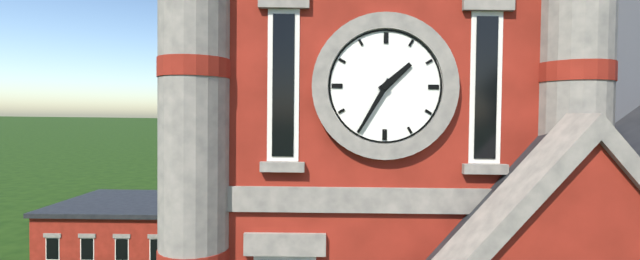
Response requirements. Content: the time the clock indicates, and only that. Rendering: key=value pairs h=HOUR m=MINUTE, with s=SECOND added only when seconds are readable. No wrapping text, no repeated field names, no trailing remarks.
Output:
h=1 m=35
